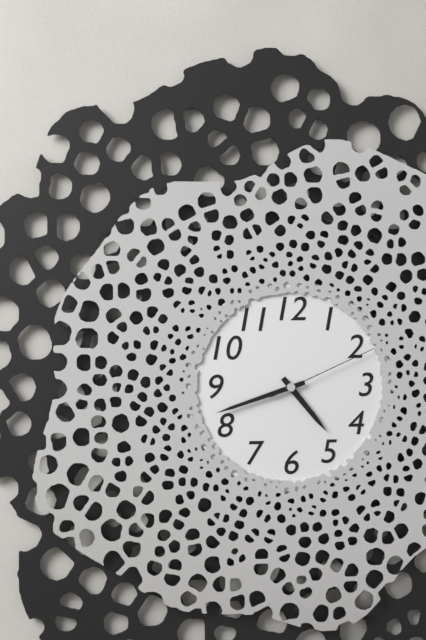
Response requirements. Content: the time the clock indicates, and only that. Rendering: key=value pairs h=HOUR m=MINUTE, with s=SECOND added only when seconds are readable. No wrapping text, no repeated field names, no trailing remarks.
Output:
h=4 m=42 s=11
